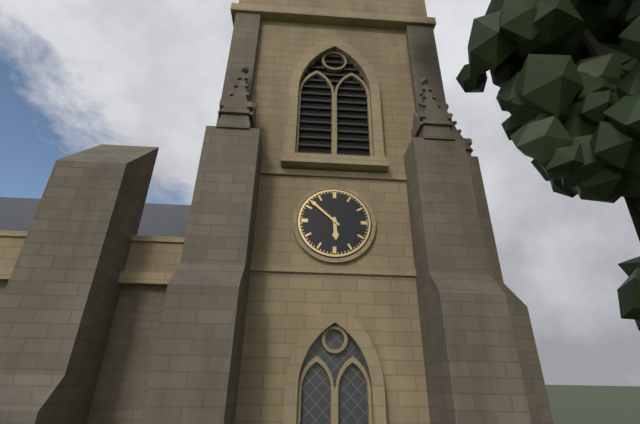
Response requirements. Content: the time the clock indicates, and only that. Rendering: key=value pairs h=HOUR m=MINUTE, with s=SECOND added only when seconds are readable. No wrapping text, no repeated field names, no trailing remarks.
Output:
h=5 m=52
